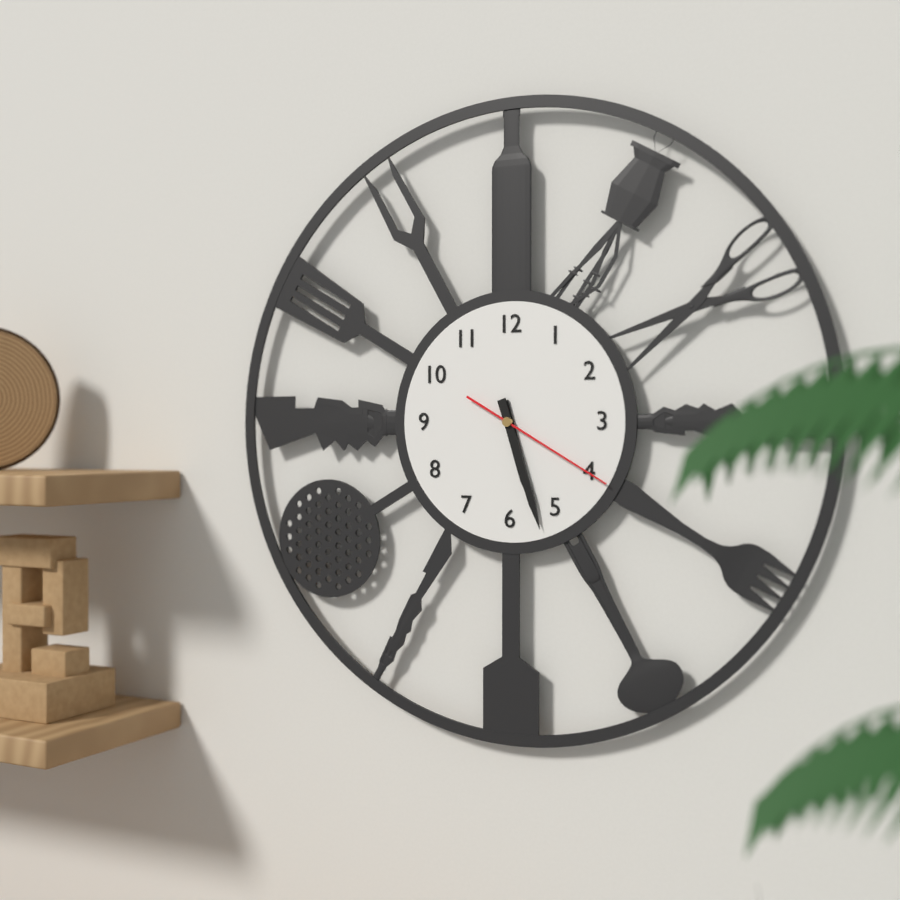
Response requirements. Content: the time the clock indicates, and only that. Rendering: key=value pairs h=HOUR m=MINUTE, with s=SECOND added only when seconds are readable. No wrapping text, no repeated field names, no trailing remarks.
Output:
h=5 m=27 s=20
